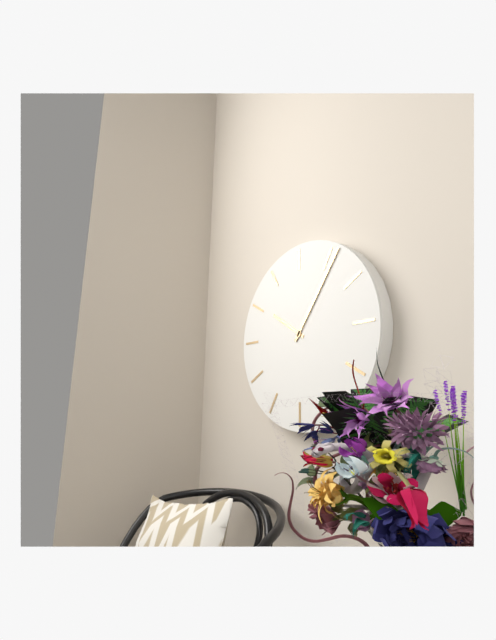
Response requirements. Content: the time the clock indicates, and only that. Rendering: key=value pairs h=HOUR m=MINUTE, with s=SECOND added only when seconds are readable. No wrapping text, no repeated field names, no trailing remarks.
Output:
h=10 m=6
